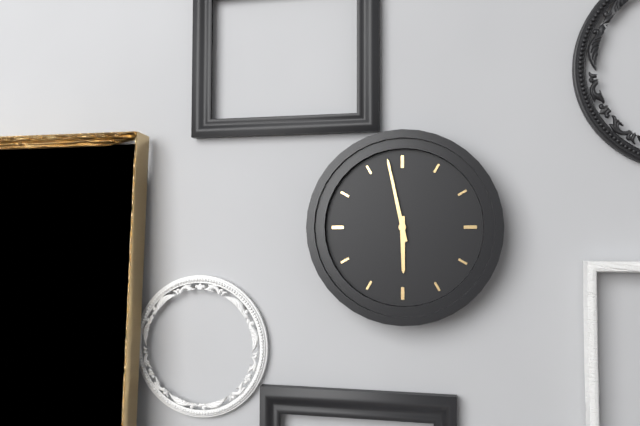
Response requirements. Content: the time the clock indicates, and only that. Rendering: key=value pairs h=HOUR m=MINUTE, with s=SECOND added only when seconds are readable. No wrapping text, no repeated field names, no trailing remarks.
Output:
h=5 m=58
